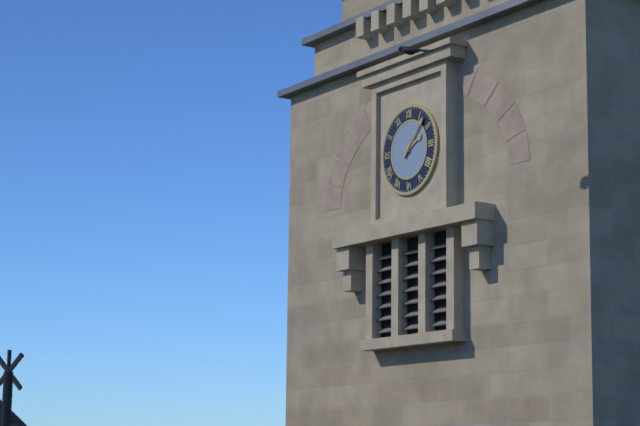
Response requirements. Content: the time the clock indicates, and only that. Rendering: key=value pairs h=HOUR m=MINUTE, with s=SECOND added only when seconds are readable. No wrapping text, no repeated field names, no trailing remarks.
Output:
h=2 m=7
